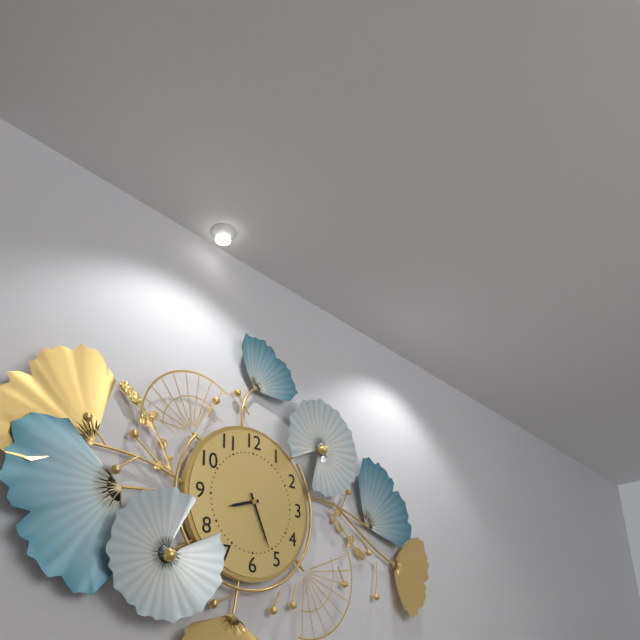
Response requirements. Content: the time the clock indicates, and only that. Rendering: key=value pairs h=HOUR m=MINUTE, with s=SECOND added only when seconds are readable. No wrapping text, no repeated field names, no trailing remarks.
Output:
h=8 m=26
